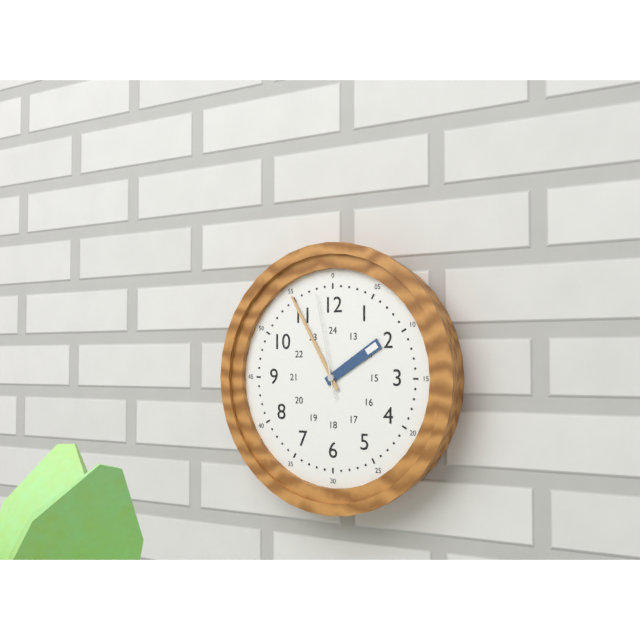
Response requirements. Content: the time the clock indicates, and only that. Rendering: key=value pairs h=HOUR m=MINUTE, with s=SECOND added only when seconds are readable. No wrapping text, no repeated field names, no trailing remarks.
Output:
h=1 m=55 s=58
